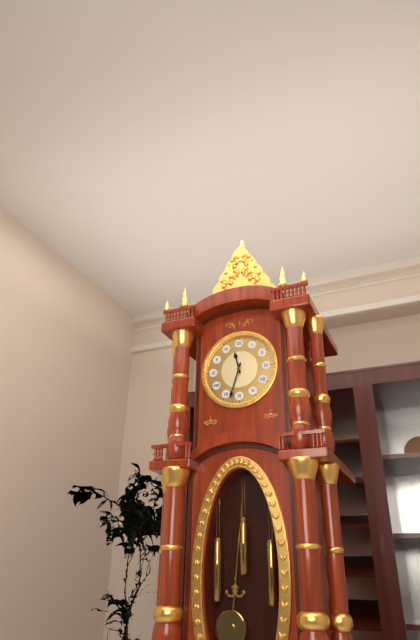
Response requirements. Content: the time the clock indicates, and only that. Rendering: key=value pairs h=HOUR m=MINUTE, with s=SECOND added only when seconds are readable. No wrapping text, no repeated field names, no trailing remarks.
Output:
h=11 m=33
